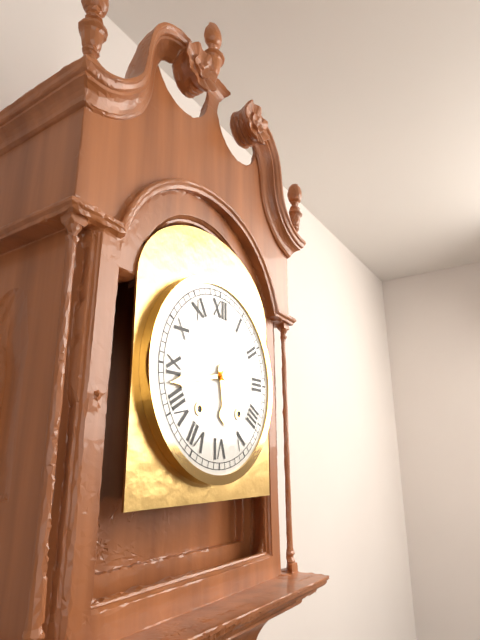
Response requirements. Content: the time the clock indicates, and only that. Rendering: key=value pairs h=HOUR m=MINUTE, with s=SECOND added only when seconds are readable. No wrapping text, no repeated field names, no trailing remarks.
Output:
h=5 m=43
